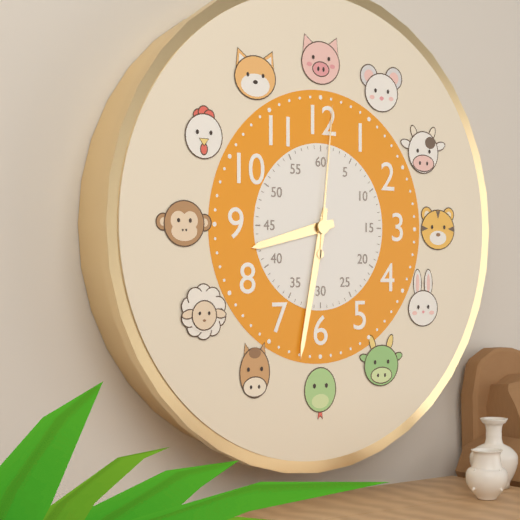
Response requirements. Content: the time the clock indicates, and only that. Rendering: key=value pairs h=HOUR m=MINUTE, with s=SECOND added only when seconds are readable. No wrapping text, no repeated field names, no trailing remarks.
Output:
h=8 m=32 s=1
